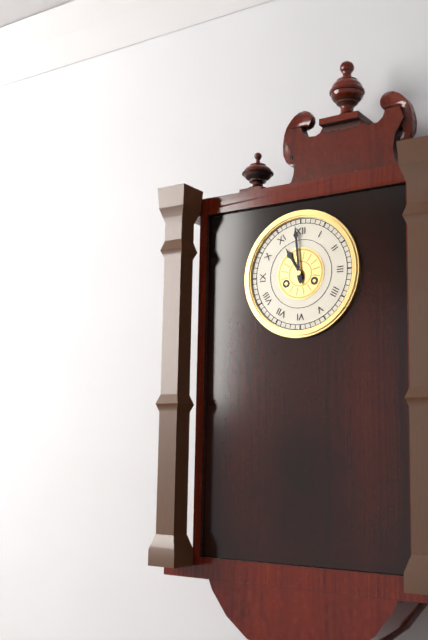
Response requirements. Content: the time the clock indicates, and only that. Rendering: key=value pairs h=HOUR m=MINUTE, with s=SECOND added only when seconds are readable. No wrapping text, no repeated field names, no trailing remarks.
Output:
h=10 m=59
